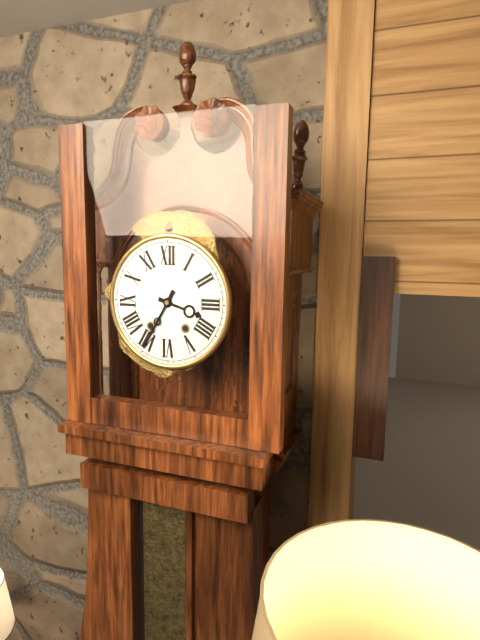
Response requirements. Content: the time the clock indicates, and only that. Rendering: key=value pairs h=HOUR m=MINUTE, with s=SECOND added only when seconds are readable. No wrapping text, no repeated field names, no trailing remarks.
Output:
h=3 m=35
